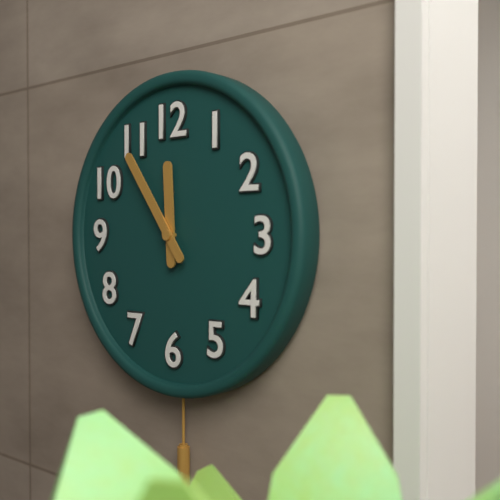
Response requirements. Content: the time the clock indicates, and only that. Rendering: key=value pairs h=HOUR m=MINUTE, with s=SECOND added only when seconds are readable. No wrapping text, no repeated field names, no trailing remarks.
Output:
h=11 m=54
